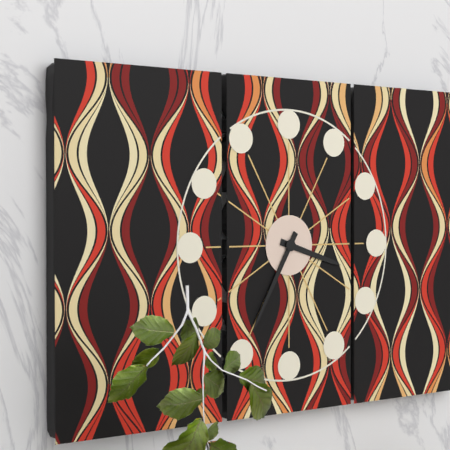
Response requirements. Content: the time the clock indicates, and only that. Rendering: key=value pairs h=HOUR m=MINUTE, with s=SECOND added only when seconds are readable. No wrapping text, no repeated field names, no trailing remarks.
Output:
h=3 m=35
